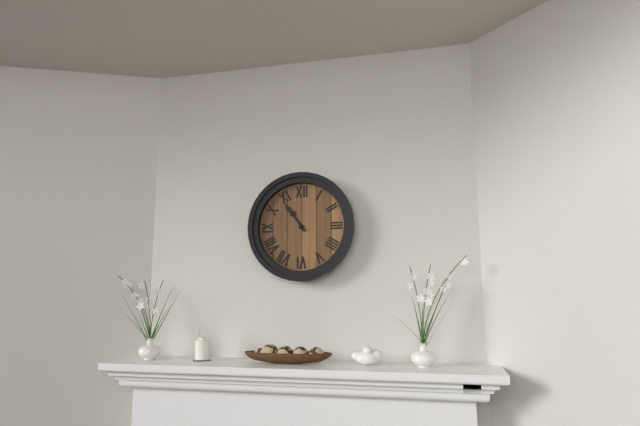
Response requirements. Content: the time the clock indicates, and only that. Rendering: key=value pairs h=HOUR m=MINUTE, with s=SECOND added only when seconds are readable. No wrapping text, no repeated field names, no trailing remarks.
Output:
h=10 m=54
